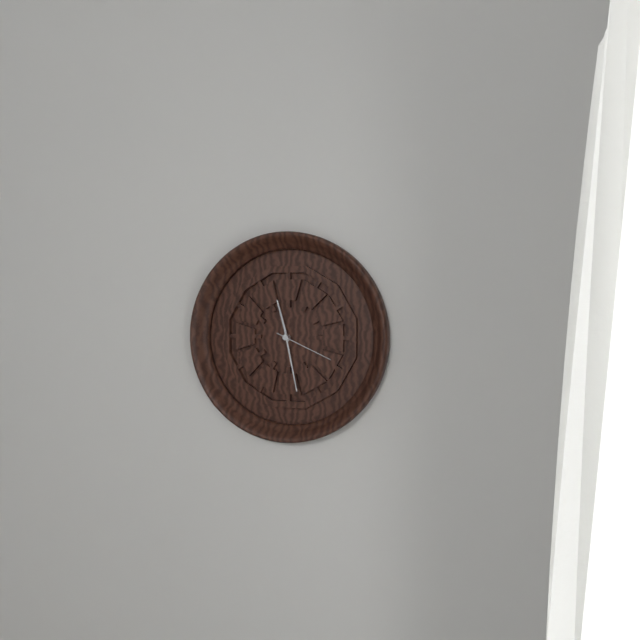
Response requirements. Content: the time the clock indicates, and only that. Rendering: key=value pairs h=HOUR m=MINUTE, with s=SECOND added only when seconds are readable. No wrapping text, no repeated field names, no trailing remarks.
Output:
h=11 m=28 s=19
